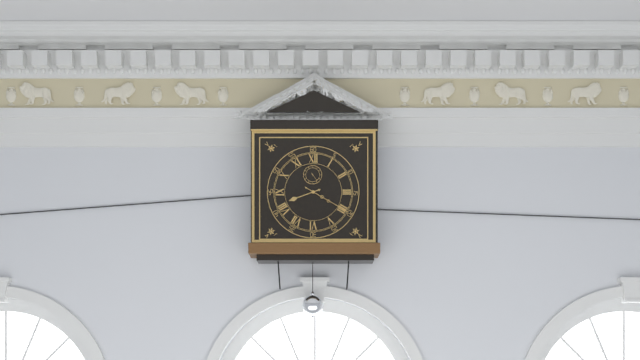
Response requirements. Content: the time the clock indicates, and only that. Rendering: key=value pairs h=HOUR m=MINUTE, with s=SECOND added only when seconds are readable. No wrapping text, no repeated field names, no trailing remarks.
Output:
h=8 m=20
